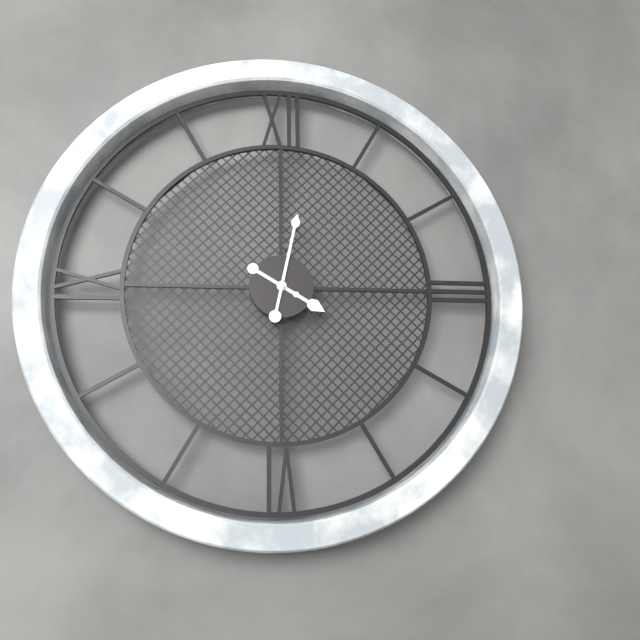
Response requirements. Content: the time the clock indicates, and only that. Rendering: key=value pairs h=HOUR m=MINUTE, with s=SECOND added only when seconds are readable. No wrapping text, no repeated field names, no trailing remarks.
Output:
h=4 m=2
